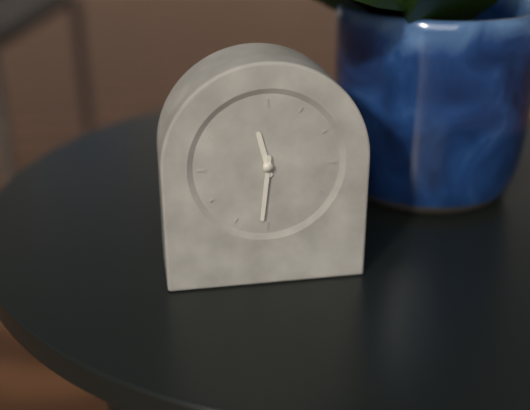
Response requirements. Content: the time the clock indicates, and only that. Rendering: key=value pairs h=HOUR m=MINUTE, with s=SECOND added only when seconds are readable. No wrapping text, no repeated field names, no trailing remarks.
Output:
h=11 m=31
